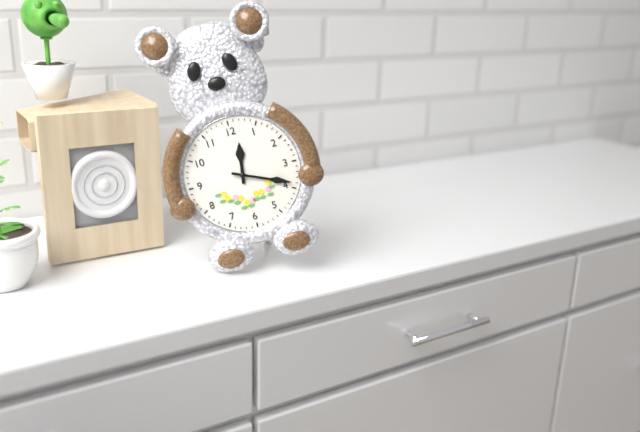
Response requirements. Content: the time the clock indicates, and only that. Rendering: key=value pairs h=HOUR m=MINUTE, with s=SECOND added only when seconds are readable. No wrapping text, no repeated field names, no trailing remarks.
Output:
h=12 m=19
